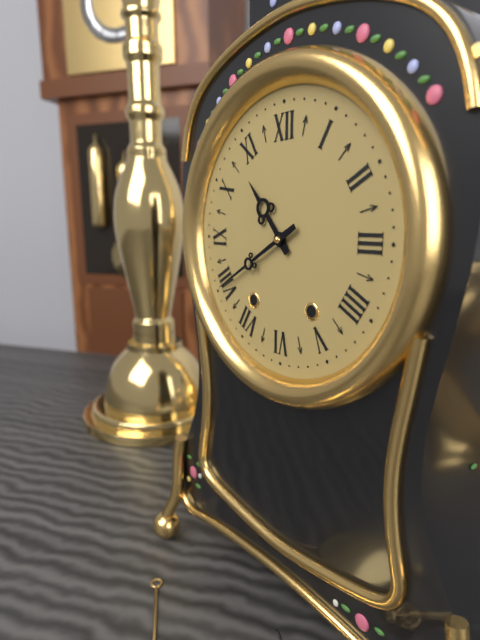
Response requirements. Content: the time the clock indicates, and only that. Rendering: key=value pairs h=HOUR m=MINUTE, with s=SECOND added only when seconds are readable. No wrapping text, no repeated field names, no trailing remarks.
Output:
h=10 m=40
